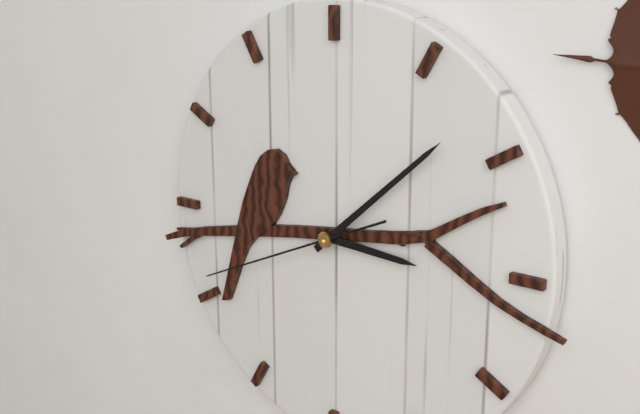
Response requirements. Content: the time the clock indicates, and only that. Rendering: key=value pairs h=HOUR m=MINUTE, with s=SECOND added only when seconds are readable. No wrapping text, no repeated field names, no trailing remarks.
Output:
h=3 m=8 s=41
